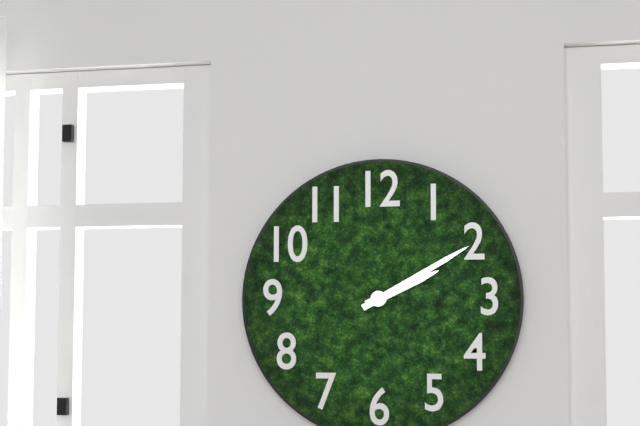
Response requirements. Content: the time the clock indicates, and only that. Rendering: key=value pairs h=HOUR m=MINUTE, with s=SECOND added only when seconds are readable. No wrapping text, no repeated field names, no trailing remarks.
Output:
h=2 m=10
